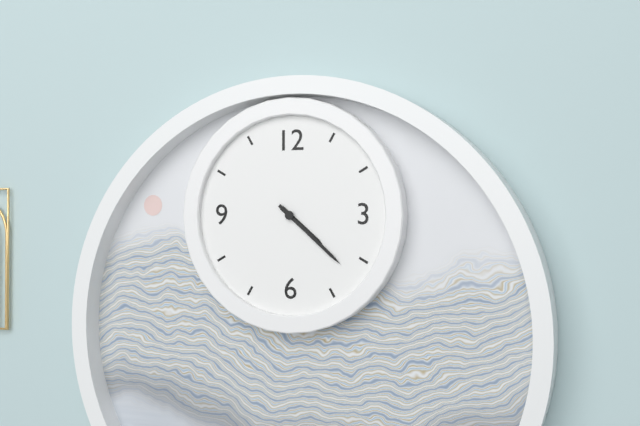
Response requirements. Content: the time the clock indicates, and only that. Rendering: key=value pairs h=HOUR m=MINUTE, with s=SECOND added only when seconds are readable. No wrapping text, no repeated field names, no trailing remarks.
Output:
h=4 m=22
